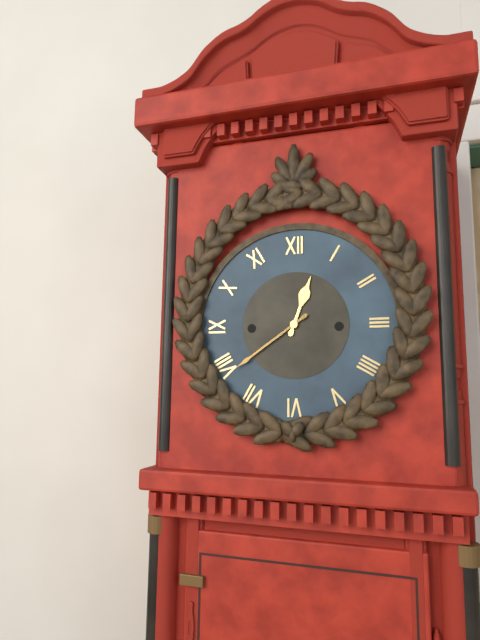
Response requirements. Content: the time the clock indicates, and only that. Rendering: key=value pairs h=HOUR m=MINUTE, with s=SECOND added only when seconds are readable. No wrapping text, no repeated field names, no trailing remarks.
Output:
h=12 m=39
